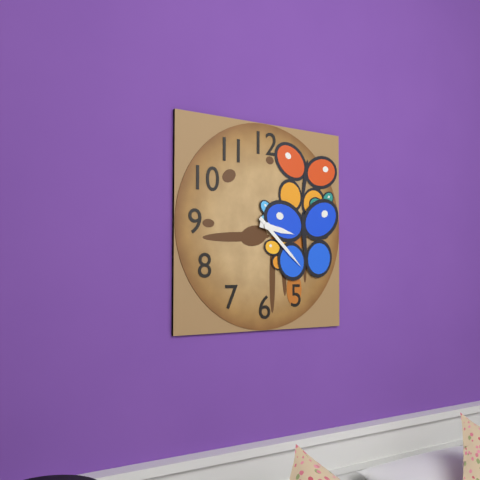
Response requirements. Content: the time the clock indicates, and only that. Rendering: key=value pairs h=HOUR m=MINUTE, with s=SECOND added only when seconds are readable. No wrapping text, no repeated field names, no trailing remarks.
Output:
h=3 m=22
